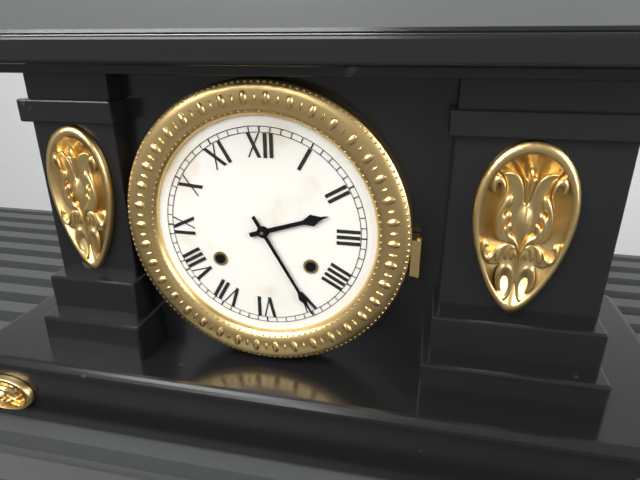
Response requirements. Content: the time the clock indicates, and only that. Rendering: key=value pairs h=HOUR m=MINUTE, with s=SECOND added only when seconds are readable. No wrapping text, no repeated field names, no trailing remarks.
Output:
h=2 m=25
